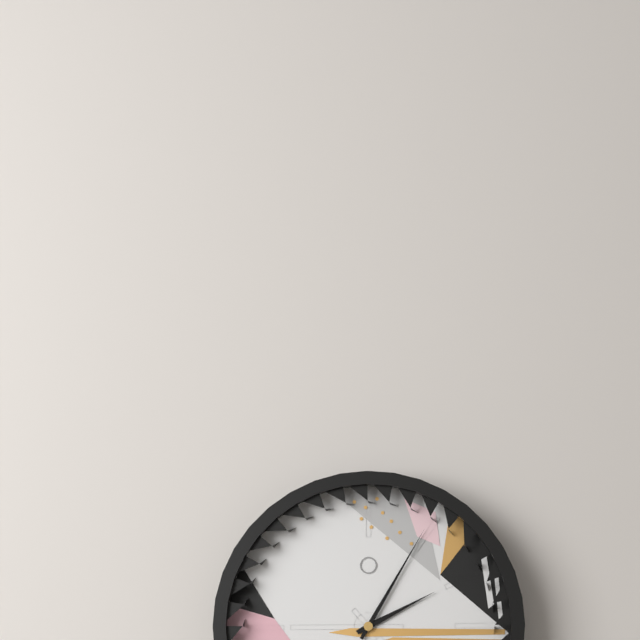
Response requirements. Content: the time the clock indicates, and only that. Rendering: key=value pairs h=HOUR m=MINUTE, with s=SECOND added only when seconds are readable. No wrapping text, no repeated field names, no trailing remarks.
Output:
h=2 m=5
